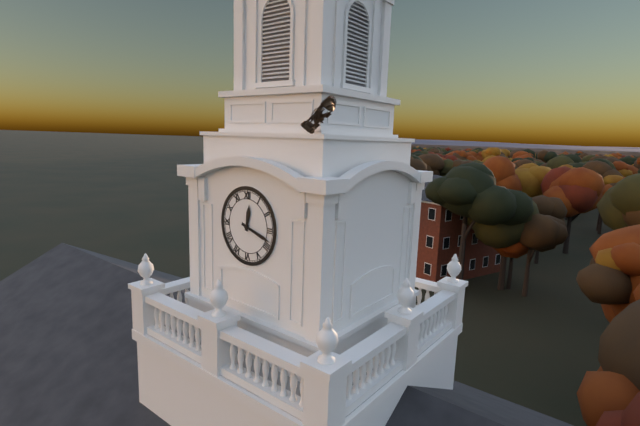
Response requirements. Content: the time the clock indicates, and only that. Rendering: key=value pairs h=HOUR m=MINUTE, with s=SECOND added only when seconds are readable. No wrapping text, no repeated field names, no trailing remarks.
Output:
h=12 m=18
